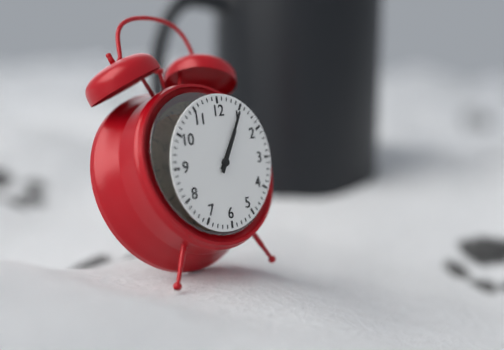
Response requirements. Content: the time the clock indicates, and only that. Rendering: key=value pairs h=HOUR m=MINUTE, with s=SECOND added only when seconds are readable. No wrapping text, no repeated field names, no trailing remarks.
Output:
h=1 m=5
